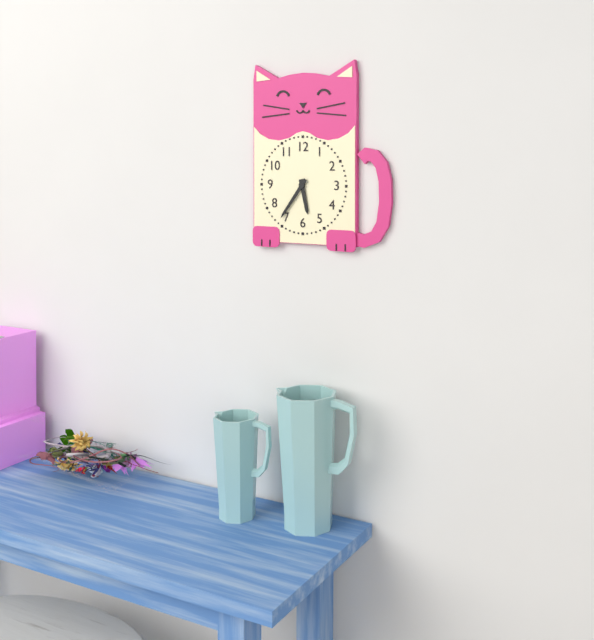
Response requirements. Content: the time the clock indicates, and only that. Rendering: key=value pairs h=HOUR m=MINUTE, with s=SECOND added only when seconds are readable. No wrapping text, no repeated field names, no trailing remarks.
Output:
h=5 m=36
